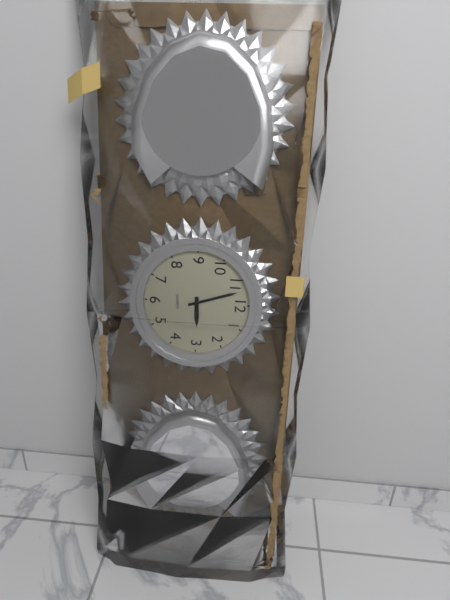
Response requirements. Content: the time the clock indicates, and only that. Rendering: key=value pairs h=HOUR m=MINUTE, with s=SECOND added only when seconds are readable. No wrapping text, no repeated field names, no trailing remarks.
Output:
h=2 m=57
